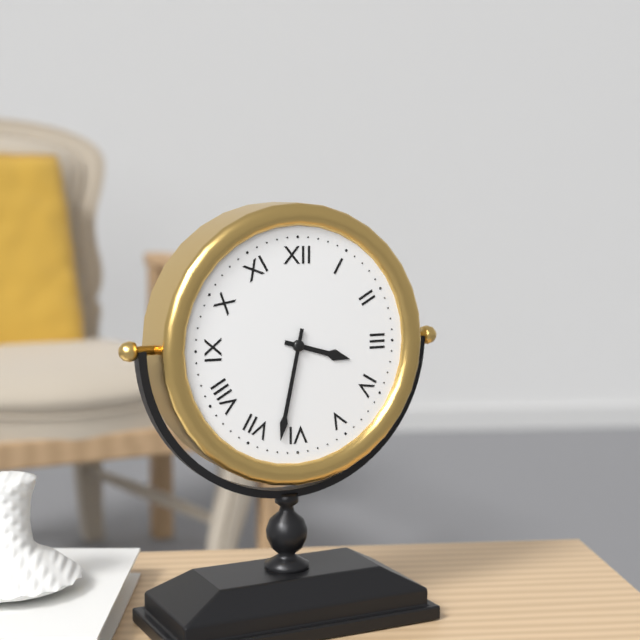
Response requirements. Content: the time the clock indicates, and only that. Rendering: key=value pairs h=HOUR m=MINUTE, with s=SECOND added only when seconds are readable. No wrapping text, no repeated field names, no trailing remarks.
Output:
h=3 m=32
